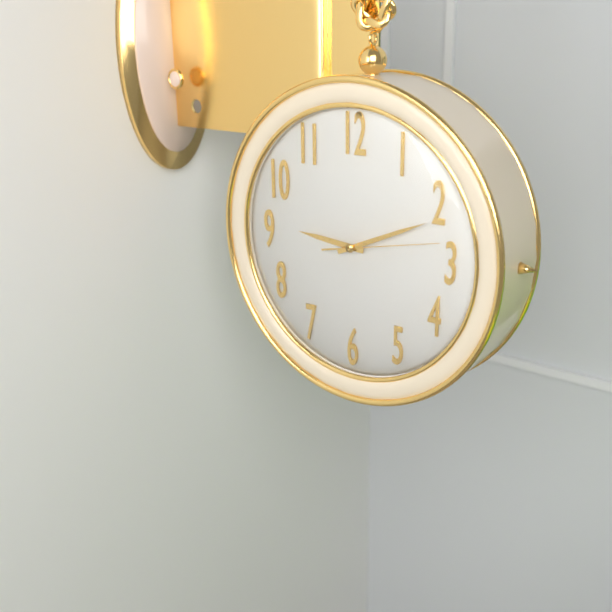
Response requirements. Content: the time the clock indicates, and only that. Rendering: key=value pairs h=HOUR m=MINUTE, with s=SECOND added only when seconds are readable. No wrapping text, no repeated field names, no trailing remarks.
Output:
h=9 m=11 s=13
